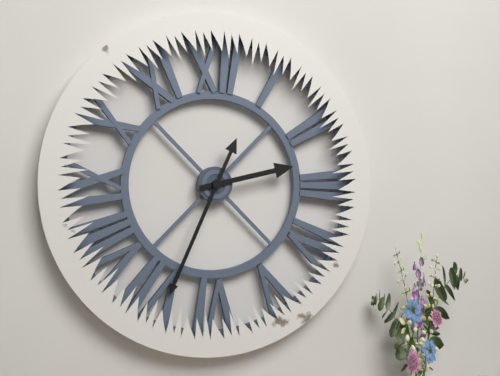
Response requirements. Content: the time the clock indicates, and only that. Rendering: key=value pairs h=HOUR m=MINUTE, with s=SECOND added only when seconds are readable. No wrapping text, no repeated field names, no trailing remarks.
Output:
h=2 m=34
